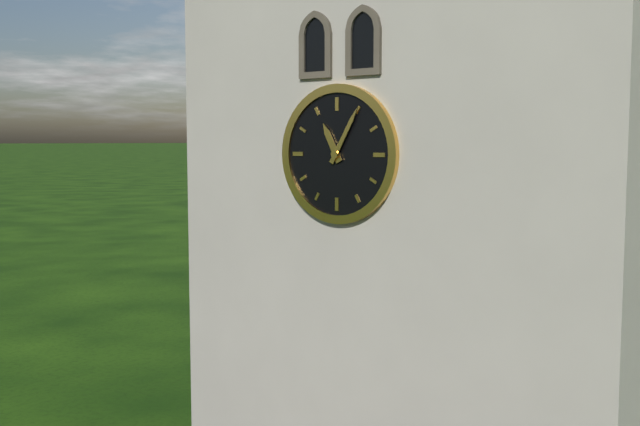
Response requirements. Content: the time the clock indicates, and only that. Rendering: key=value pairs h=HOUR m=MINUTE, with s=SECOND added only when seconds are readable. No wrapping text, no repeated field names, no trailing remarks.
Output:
h=11 m=5
